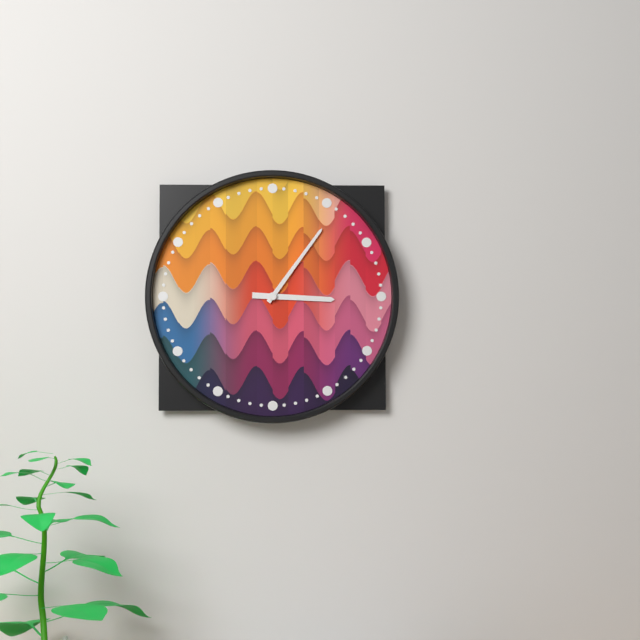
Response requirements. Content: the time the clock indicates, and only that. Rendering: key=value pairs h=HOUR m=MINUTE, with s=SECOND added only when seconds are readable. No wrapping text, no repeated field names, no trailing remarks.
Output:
h=3 m=6
